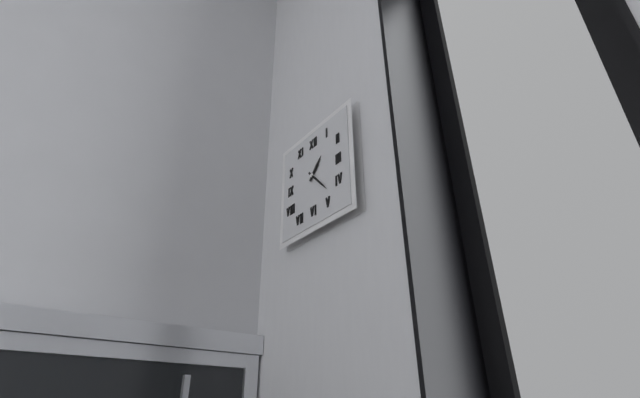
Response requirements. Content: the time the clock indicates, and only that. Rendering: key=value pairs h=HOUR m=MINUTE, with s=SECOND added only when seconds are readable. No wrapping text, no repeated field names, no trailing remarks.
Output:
h=1 m=23
